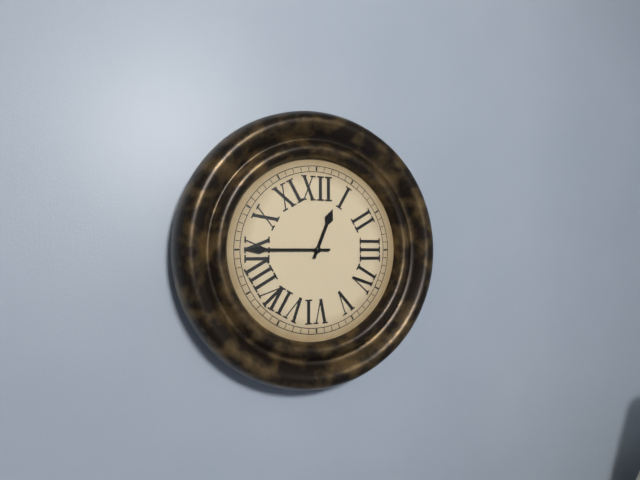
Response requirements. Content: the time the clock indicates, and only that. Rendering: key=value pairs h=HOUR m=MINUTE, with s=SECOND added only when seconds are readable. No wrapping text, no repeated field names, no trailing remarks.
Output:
h=12 m=45
